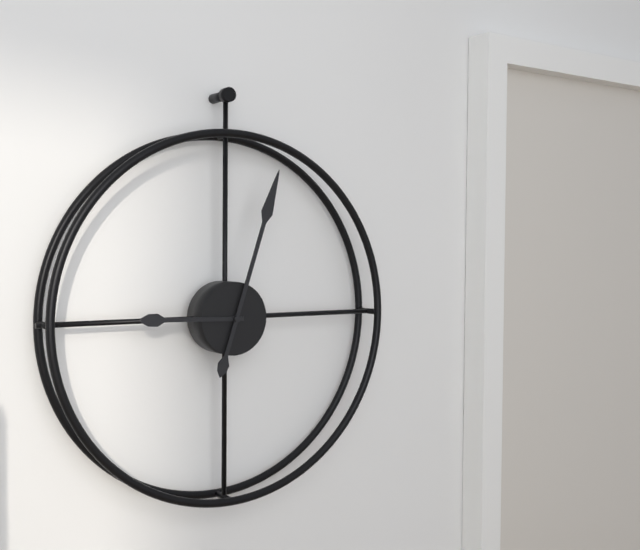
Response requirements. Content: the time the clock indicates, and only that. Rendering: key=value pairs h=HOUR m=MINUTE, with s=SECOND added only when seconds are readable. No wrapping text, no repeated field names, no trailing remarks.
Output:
h=9 m=3
